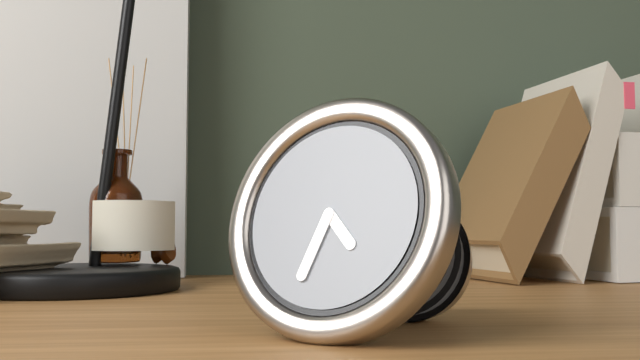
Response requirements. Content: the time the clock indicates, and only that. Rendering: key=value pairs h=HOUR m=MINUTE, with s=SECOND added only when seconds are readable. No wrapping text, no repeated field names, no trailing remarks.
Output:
h=4 m=33
